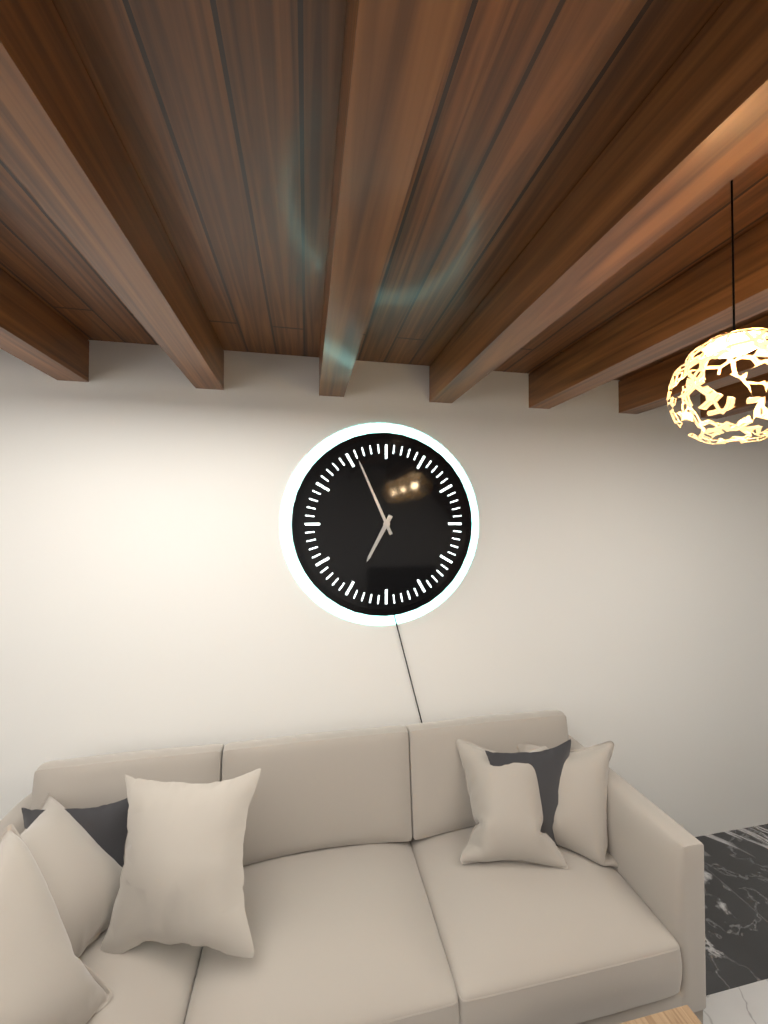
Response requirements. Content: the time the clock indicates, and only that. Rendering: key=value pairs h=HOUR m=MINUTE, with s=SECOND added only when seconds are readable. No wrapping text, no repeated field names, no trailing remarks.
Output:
h=6 m=56
